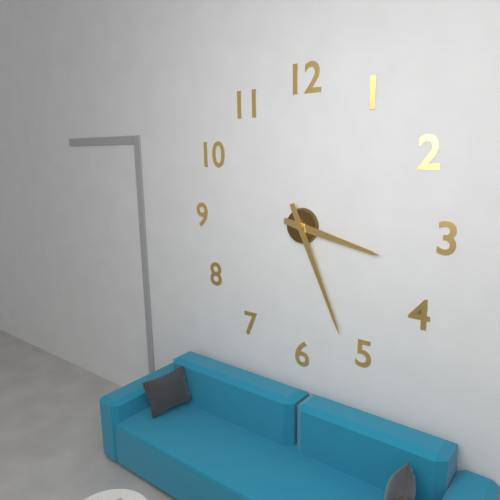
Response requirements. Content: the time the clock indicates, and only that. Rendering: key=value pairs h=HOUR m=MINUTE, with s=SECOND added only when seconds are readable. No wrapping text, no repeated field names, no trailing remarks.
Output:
h=3 m=26
